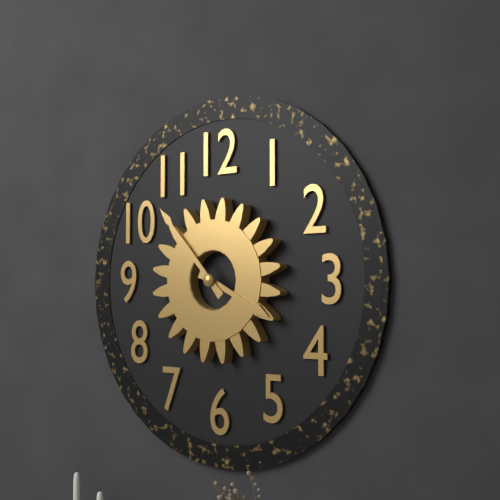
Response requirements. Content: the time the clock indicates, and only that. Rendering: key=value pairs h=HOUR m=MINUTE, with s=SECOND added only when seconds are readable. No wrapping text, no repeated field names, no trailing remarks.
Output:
h=3 m=53
